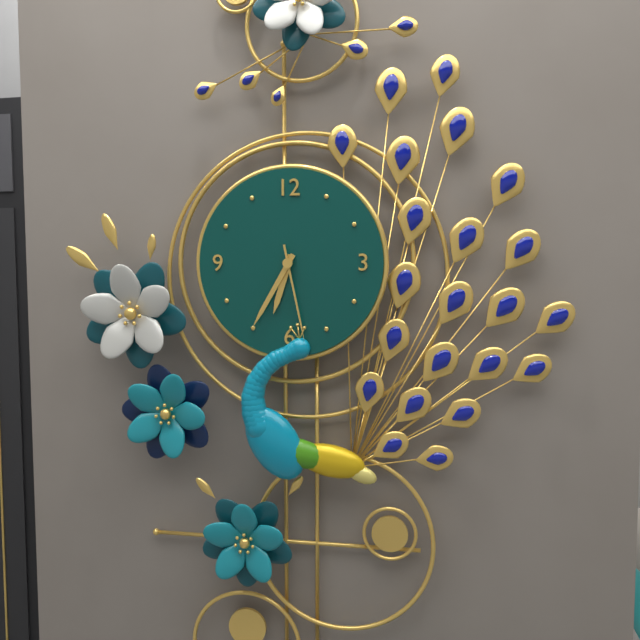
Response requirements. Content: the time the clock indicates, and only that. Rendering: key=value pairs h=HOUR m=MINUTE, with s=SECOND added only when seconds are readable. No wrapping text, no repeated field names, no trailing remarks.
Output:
h=6 m=35 s=28
